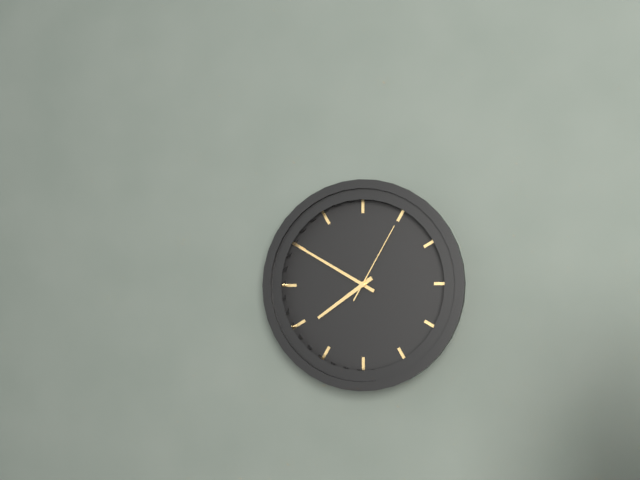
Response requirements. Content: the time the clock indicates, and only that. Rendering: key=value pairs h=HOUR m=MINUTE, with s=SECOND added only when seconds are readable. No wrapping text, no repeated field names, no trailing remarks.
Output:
h=7 m=50 s=5
